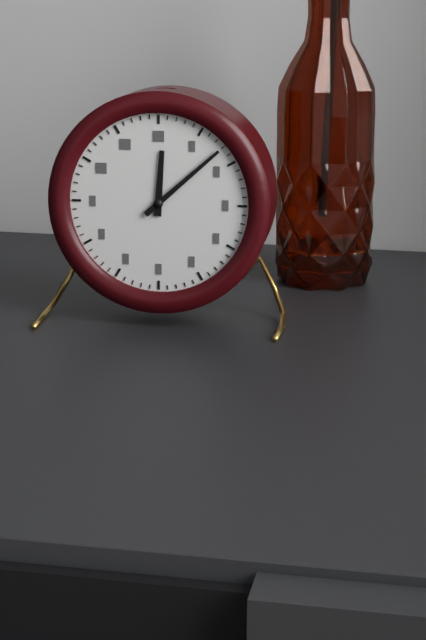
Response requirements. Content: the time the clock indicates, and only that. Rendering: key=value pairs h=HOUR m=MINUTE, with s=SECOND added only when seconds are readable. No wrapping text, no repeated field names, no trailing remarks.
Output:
h=12 m=8
